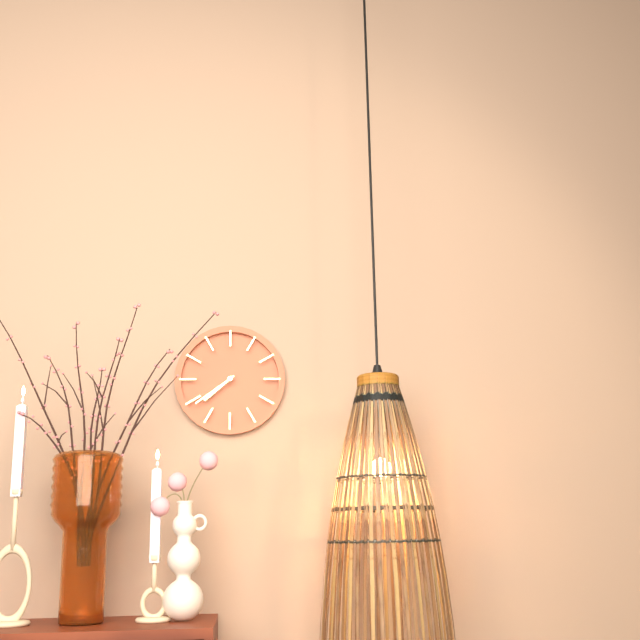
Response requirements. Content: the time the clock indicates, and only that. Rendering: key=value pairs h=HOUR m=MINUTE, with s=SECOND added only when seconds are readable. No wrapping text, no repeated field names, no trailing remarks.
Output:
h=7 m=39
